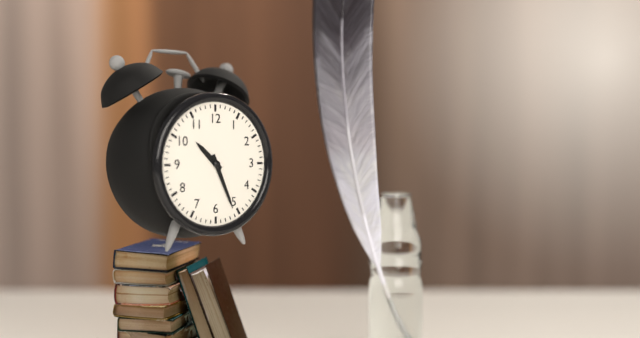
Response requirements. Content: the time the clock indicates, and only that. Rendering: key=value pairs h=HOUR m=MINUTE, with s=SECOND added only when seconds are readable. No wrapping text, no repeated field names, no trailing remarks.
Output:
h=10 m=26
